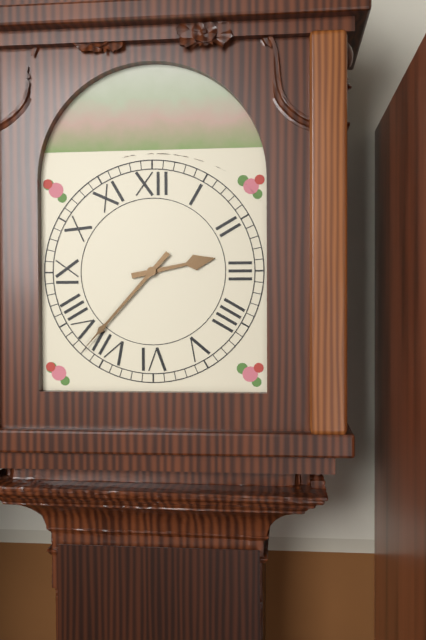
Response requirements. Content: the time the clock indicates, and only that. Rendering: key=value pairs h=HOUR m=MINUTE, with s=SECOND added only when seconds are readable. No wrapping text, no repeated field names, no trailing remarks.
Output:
h=2 m=37
